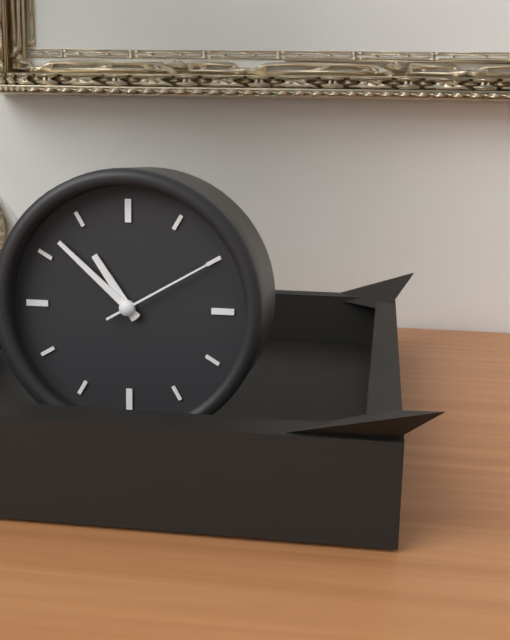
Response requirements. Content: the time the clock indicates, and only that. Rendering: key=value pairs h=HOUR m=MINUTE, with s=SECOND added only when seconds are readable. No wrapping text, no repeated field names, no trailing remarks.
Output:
h=10 m=52 s=10
